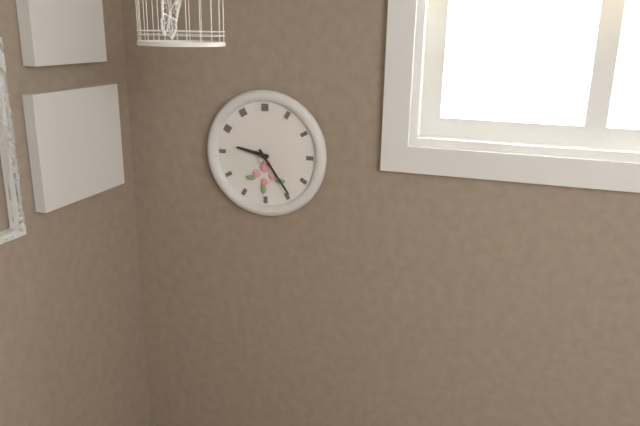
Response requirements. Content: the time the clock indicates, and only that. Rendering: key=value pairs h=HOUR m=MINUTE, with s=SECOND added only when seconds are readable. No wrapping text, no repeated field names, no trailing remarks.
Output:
h=9 m=24
